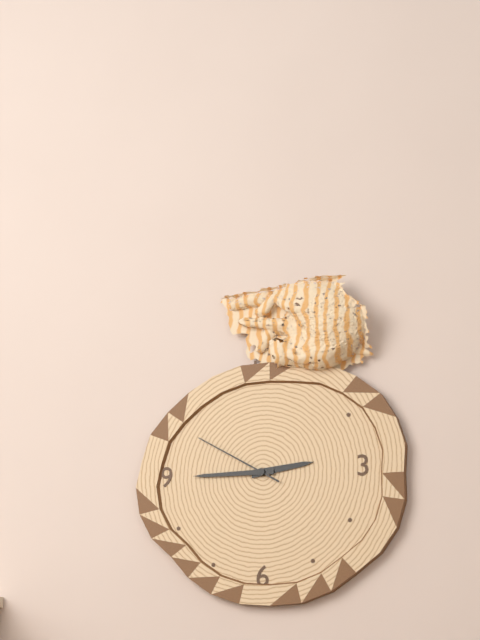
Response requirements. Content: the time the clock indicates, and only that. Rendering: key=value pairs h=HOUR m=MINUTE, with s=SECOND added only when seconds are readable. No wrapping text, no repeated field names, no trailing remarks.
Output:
h=2 m=45 s=50
